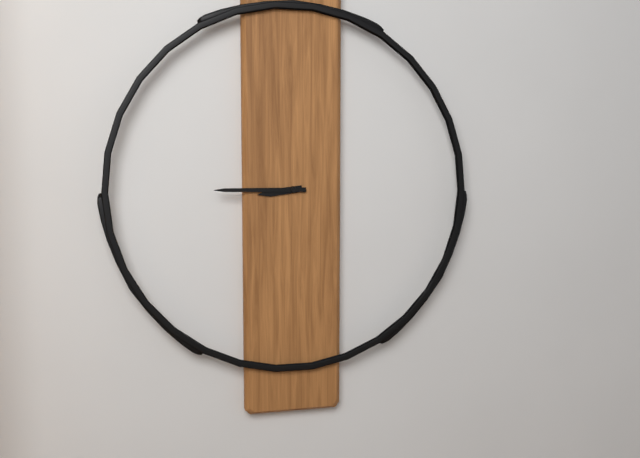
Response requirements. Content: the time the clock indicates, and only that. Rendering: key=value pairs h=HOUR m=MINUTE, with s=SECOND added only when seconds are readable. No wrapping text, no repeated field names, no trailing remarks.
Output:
h=8 m=45
